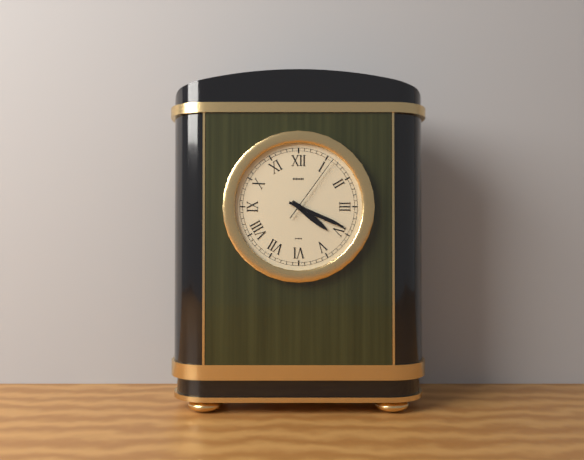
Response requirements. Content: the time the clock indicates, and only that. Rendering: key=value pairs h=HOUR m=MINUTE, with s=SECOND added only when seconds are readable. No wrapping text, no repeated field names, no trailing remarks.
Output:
h=4 m=19 s=6
